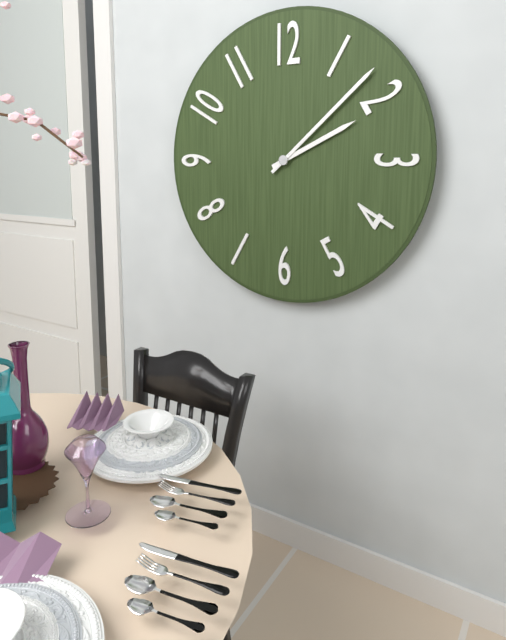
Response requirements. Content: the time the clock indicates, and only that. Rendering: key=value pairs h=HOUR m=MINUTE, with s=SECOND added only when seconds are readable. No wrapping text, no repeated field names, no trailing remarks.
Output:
h=2 m=8
